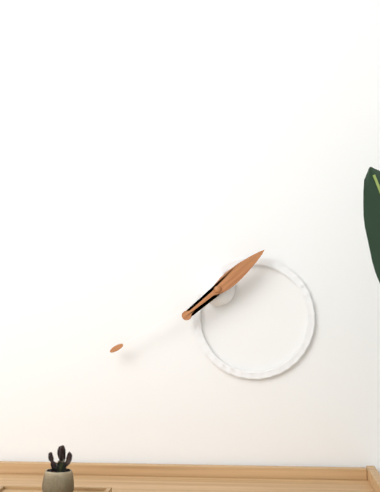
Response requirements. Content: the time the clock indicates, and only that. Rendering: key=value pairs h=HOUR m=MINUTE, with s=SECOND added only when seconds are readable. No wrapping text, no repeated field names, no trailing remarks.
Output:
h=1 m=40
